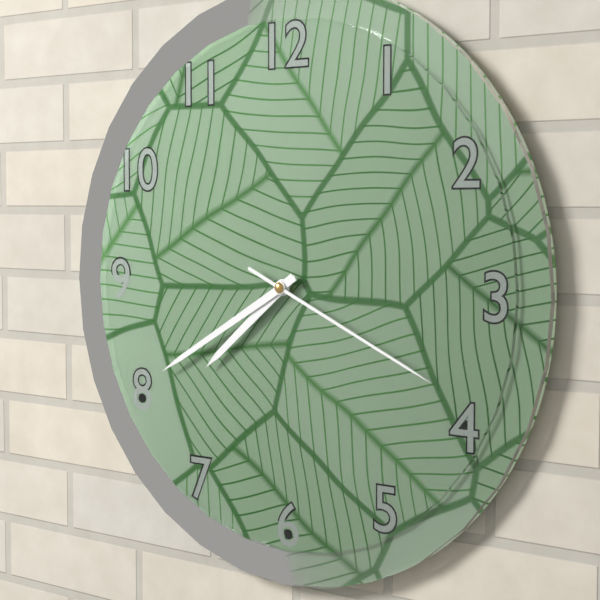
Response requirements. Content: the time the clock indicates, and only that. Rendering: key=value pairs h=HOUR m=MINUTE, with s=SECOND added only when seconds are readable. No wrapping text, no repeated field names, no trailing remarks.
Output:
h=7 m=40 s=19
